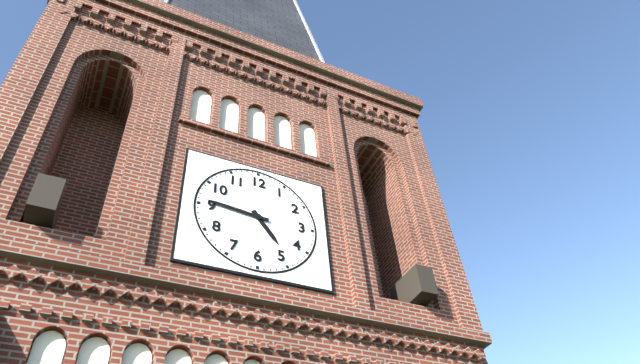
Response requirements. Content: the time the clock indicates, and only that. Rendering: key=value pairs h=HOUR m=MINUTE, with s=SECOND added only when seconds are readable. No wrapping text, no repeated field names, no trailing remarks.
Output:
h=4 m=46
